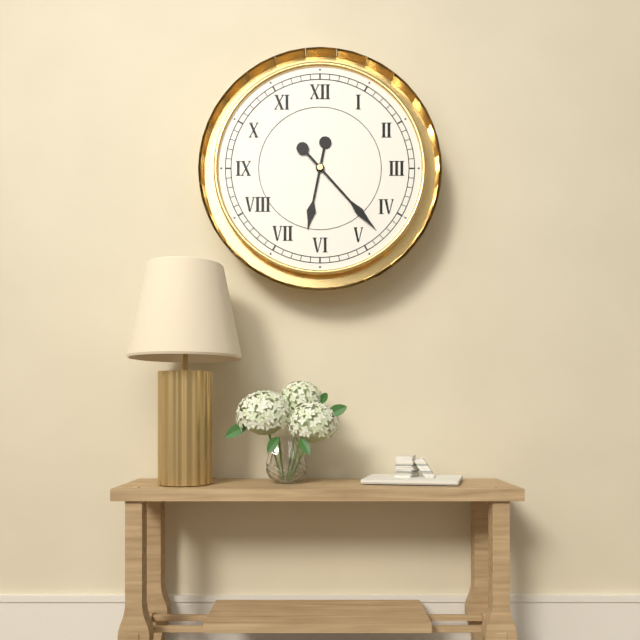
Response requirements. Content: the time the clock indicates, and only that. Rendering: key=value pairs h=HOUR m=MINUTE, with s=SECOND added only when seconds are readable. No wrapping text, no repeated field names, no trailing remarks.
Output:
h=6 m=23
